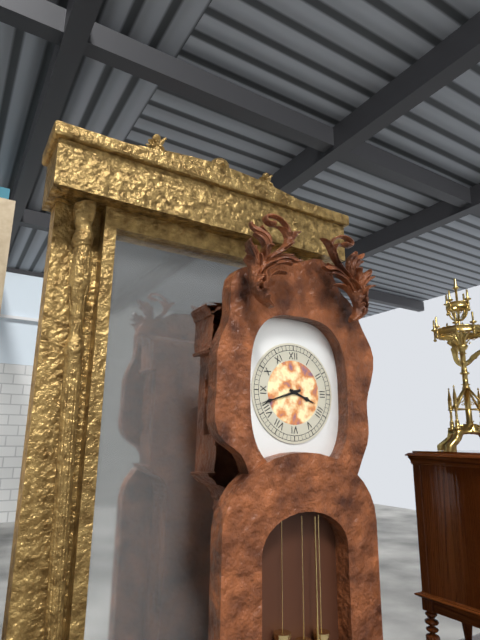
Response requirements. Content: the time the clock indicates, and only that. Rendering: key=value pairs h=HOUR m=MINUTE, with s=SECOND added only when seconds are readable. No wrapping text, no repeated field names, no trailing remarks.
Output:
h=3 m=42
